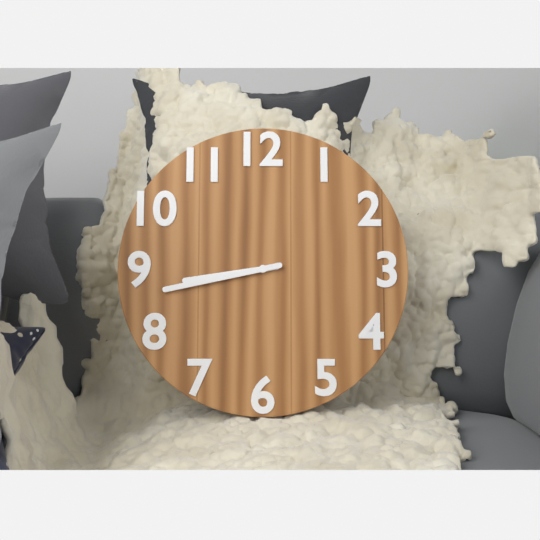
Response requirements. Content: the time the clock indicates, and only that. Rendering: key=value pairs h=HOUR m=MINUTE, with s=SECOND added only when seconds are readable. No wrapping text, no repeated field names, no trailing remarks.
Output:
h=8 m=43
